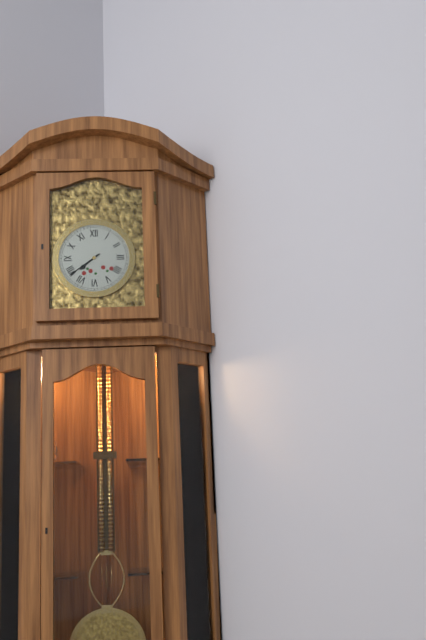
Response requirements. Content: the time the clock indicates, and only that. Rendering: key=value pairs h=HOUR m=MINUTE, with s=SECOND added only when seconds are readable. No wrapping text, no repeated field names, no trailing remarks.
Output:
h=7 m=39
